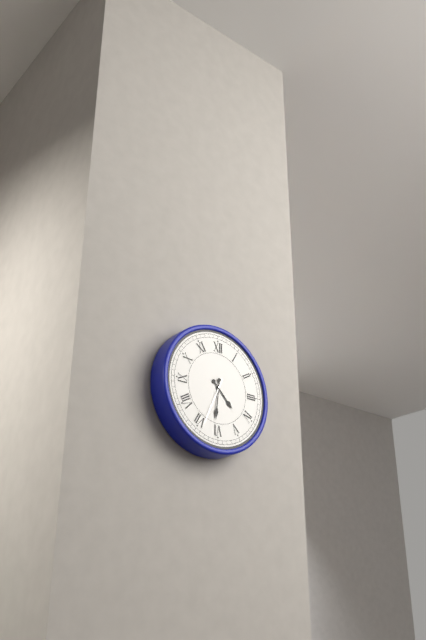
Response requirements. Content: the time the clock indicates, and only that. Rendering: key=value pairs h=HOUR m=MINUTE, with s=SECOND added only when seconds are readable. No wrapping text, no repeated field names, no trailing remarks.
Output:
h=4 m=31 s=34
